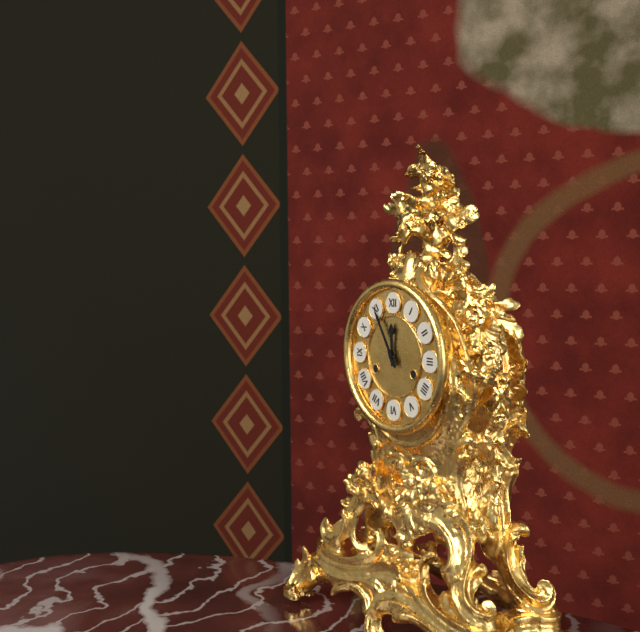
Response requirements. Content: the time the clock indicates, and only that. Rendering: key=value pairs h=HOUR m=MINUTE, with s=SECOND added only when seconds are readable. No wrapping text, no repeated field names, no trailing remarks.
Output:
h=11 m=55
